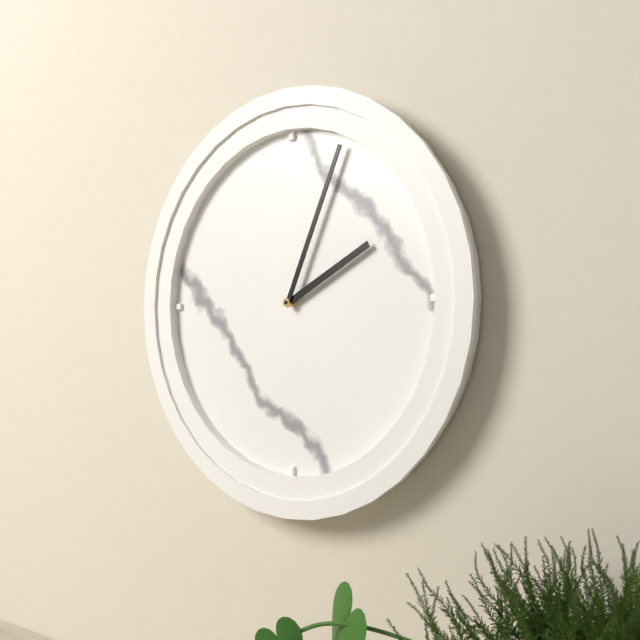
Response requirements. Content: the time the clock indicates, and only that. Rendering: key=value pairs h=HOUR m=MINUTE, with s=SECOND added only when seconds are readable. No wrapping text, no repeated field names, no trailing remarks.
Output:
h=2 m=4
